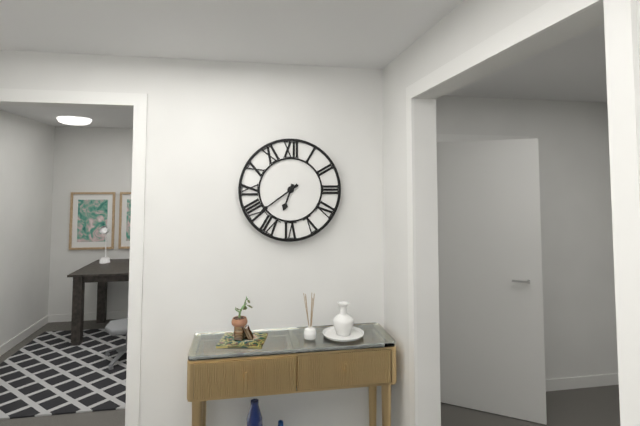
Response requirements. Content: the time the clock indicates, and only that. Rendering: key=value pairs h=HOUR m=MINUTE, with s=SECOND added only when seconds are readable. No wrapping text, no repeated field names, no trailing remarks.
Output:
h=6 m=39
